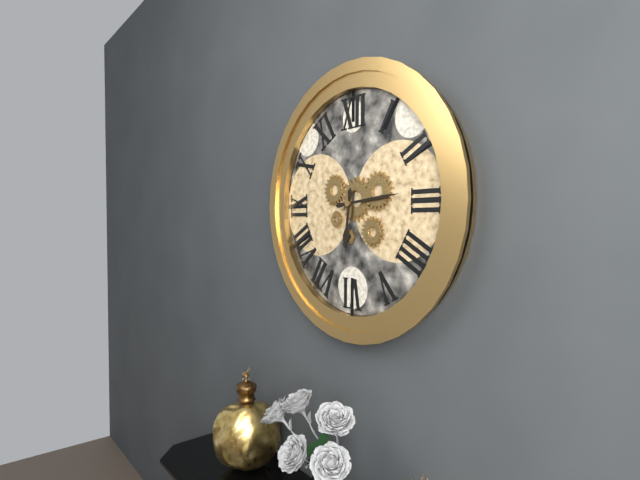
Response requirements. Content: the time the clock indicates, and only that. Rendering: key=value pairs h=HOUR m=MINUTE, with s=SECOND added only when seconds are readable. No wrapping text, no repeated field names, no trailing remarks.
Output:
h=6 m=14
